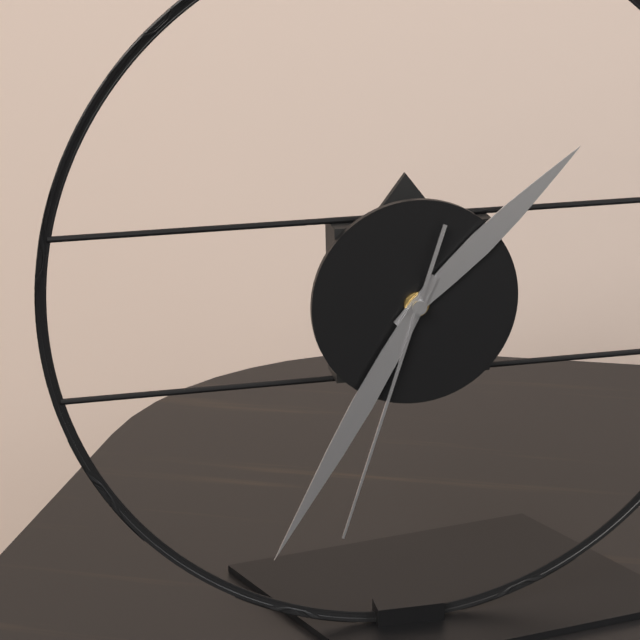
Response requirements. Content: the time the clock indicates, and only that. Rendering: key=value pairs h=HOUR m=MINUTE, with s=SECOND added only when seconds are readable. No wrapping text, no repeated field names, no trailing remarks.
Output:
h=1 m=35 s=33
